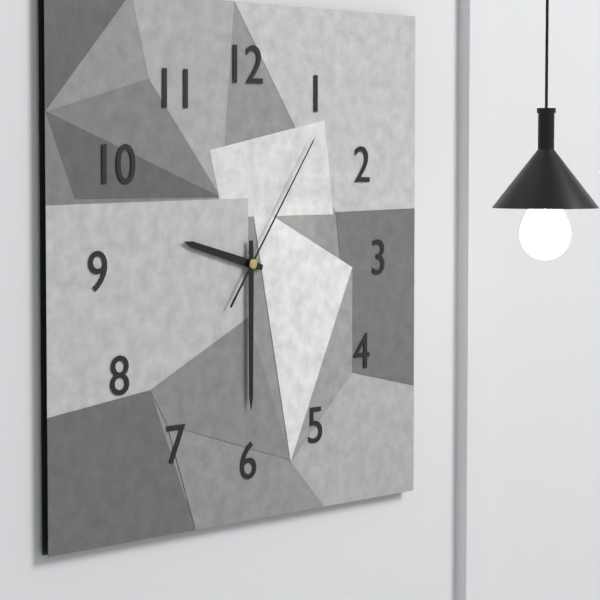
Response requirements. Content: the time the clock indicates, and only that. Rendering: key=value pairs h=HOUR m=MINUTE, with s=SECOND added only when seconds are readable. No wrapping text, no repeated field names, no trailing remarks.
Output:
h=9 m=30 s=6
